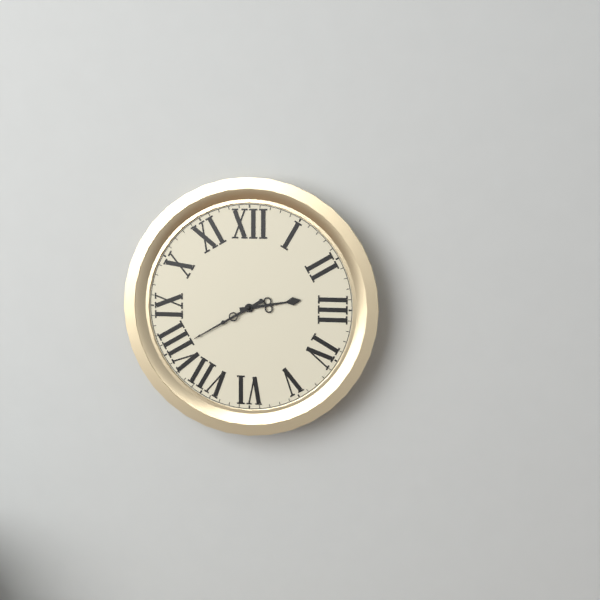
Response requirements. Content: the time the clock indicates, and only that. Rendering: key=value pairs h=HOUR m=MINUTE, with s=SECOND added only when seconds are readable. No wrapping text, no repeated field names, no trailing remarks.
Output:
h=2 m=40
